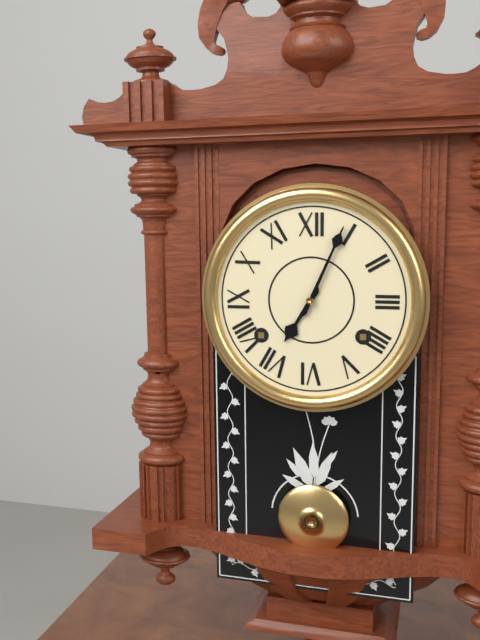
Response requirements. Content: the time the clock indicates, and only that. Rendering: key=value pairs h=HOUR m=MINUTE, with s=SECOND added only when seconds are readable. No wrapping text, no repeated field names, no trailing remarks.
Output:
h=7 m=4
